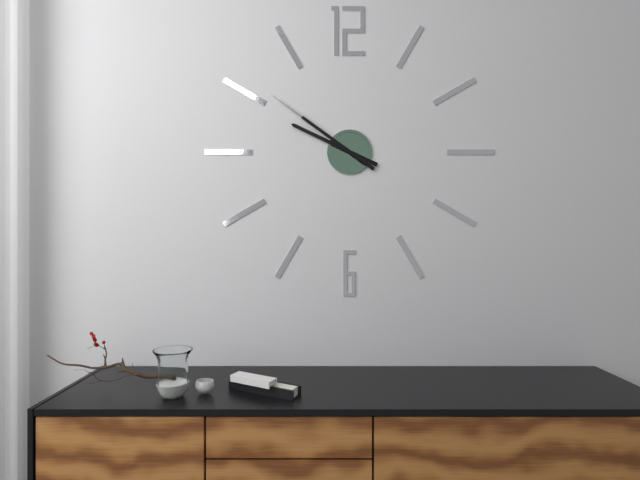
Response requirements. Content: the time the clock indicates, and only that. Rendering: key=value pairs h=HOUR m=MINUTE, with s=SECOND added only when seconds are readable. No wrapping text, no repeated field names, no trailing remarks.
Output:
h=9 m=51
